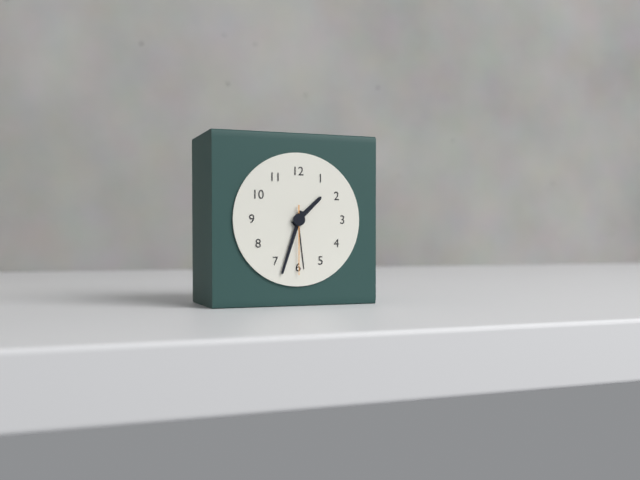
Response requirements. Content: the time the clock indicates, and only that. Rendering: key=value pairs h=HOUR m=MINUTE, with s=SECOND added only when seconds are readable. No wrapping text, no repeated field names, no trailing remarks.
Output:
h=1 m=33 s=30
